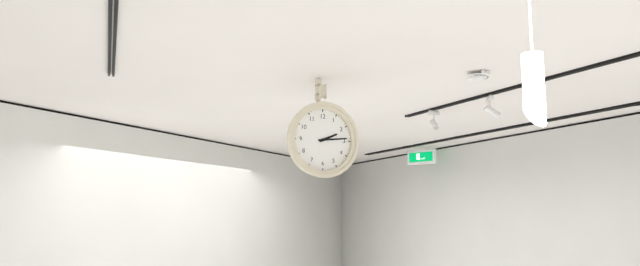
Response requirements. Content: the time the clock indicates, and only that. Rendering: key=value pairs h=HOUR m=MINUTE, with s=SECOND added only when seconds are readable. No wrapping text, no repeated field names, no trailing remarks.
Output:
h=2 m=14
